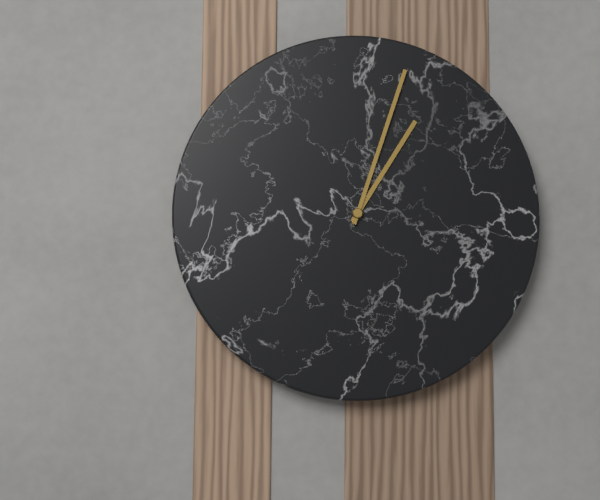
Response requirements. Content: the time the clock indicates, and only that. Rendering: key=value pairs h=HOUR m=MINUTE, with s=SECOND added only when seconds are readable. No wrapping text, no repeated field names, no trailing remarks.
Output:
h=1 m=3
